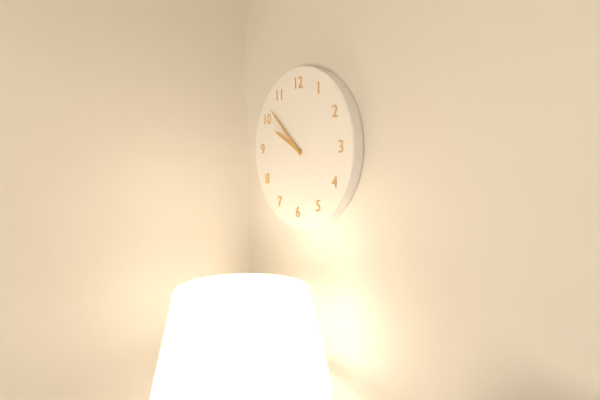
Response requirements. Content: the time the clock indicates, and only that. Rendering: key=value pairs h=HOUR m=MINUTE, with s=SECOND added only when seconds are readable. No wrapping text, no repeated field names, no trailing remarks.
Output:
h=9 m=52
